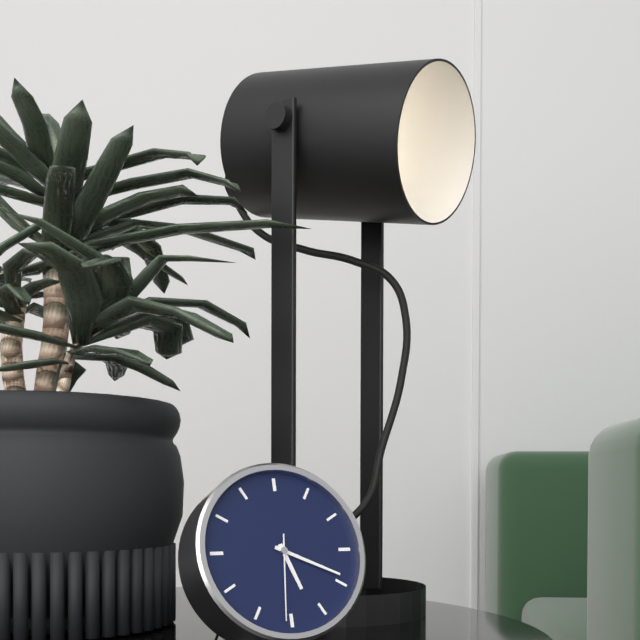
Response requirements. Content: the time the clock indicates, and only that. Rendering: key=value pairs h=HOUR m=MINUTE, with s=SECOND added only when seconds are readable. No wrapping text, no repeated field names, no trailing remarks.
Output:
h=5 m=19 s=31
